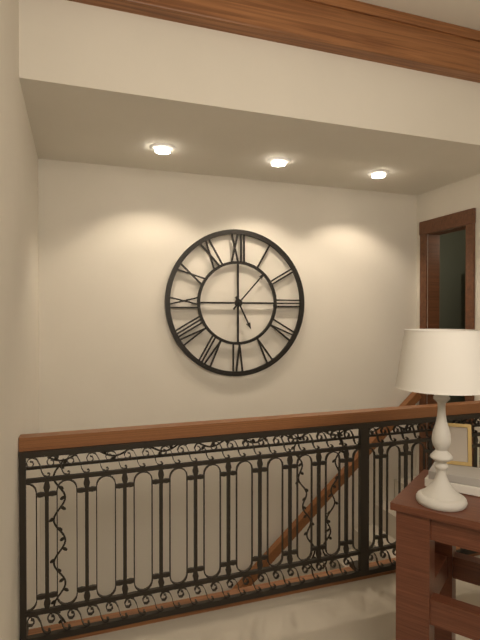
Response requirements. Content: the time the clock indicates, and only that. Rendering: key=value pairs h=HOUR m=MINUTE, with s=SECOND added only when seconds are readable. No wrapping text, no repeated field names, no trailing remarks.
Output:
h=5 m=7
